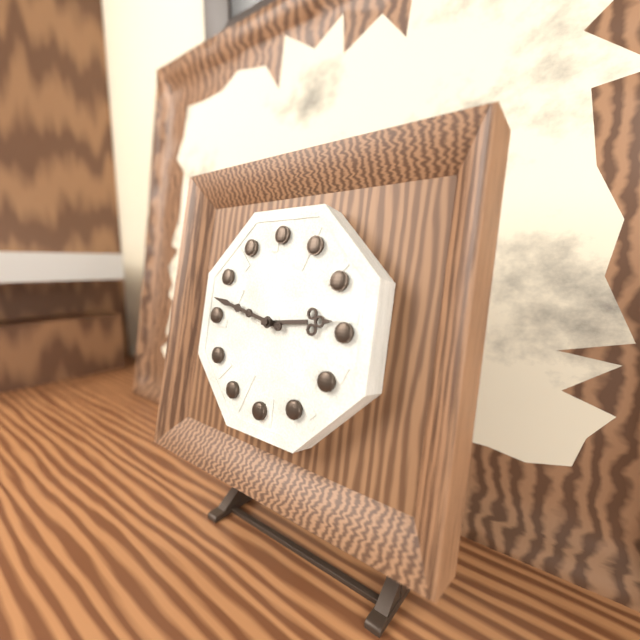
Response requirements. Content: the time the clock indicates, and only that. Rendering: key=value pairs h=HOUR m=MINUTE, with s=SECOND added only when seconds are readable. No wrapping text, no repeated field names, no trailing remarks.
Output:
h=2 m=47
